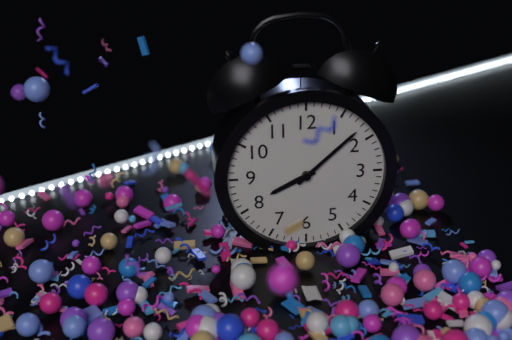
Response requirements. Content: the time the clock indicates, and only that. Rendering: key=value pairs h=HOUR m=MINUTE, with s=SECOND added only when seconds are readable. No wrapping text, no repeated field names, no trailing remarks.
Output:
h=8 m=8
